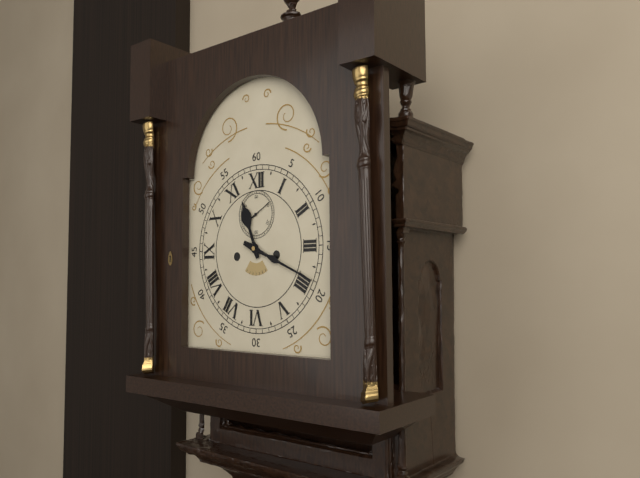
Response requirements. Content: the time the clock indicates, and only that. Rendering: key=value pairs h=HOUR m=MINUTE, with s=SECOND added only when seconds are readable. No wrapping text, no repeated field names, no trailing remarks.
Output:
h=11 m=19
